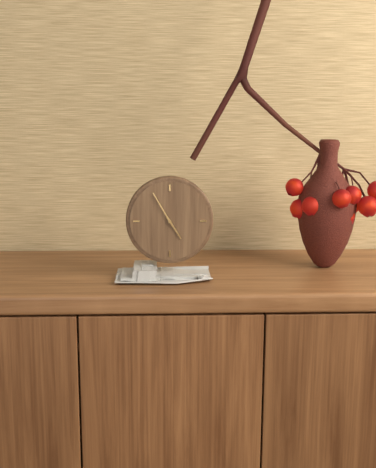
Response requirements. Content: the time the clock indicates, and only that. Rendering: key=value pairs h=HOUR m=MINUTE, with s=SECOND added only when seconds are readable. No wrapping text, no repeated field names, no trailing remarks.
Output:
h=4 m=55
